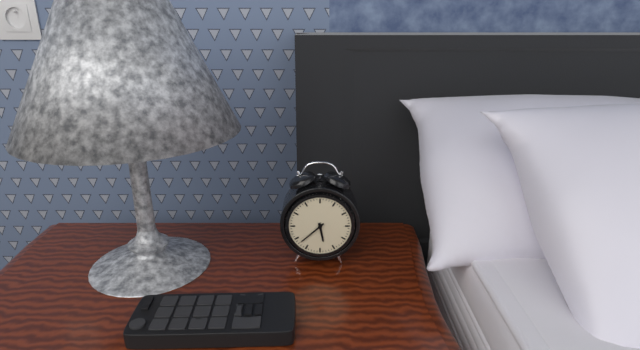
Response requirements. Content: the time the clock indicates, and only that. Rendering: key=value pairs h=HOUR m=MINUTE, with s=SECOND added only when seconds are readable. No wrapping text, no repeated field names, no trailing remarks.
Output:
h=5 m=38
